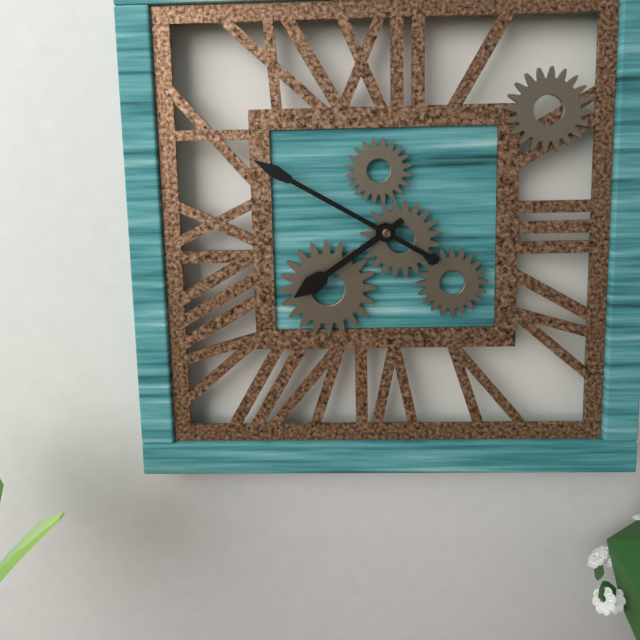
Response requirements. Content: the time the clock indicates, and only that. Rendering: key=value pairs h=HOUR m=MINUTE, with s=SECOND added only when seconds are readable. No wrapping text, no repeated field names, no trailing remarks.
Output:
h=7 m=50
